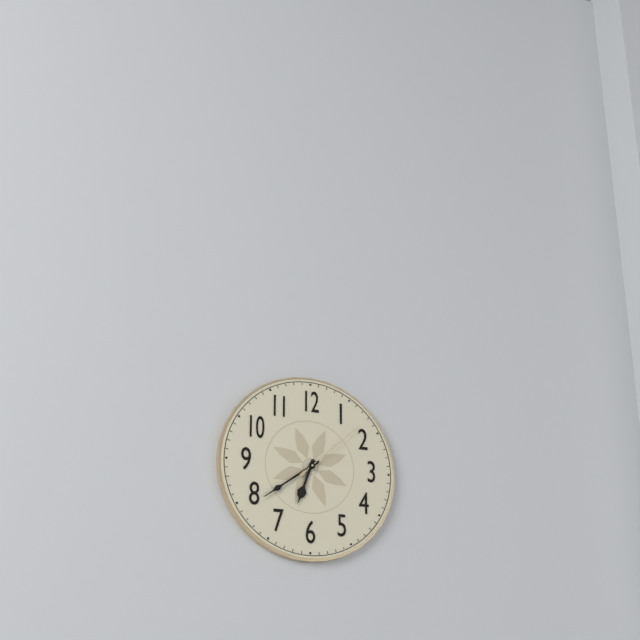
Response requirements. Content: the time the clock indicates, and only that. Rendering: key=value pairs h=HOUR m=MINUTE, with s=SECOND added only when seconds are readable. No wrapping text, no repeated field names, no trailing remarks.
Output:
h=6 m=39 s=8
